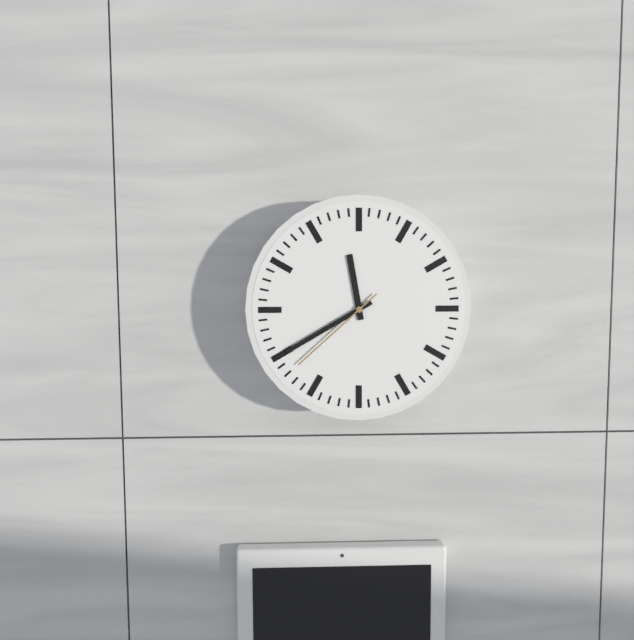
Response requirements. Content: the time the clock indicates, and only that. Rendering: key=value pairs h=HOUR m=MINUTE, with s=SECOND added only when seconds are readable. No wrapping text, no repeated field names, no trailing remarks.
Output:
h=11 m=40 s=38
